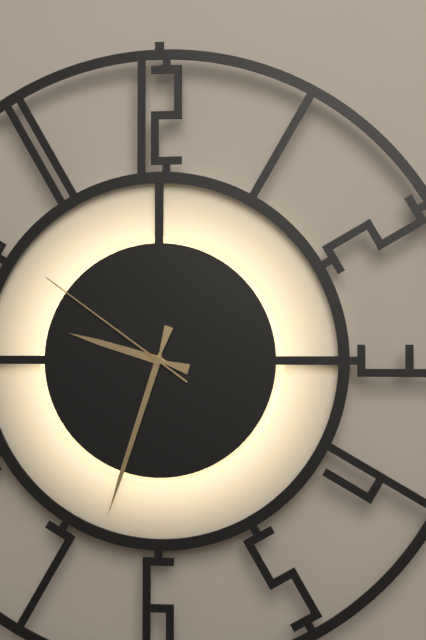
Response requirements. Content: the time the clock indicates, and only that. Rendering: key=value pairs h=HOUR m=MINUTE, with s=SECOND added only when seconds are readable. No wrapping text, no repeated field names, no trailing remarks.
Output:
h=9 m=33 s=51
